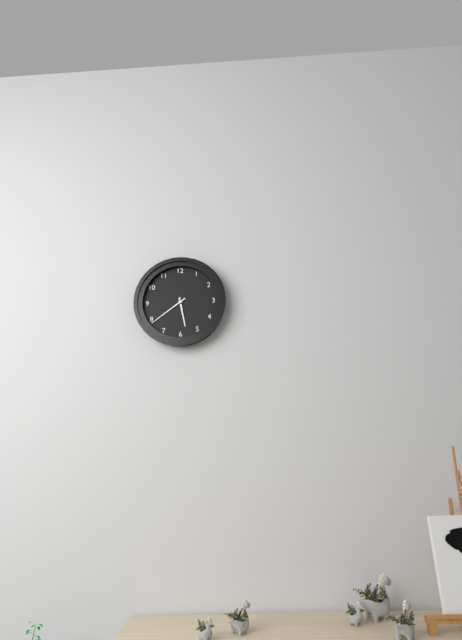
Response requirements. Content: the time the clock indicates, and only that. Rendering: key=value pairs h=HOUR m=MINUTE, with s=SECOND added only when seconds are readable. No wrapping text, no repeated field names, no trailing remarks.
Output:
h=5 m=39
